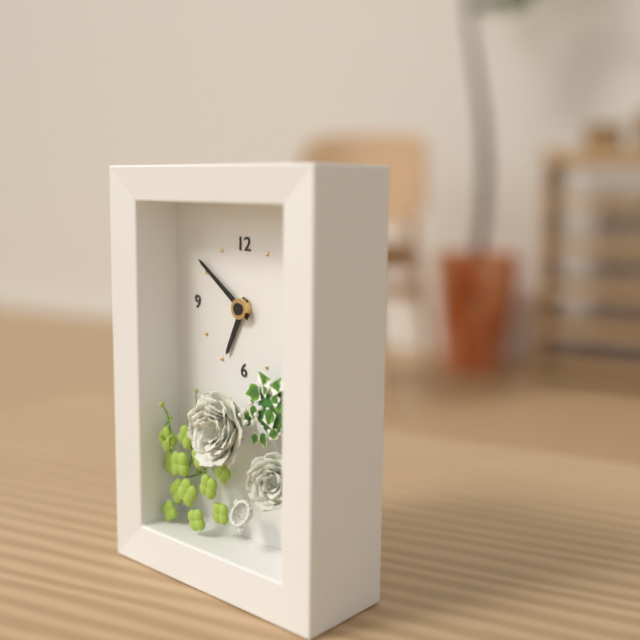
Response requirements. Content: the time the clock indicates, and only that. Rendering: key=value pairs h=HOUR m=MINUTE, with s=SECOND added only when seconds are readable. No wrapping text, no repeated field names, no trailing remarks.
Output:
h=6 m=51
